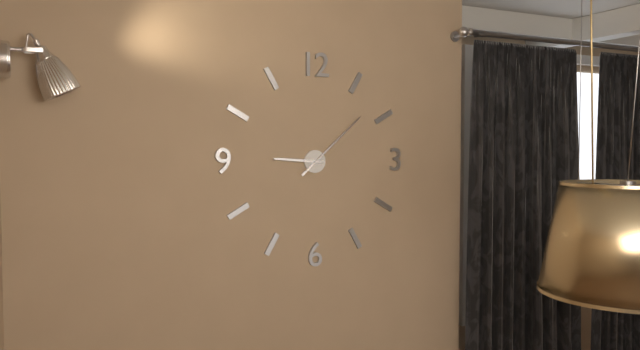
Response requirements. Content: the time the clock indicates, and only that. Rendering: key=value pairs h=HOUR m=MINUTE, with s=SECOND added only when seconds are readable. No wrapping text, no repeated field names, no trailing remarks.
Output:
h=9 m=8
